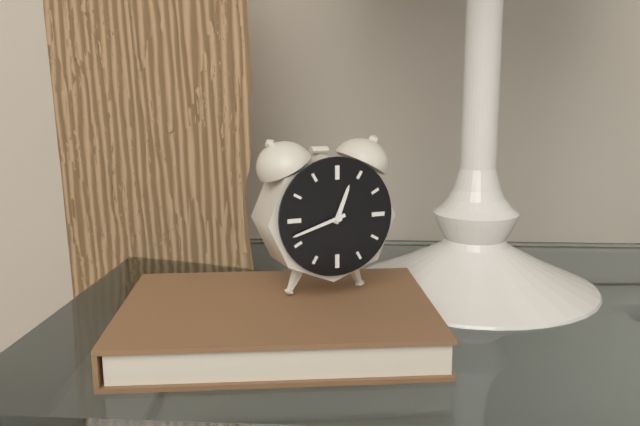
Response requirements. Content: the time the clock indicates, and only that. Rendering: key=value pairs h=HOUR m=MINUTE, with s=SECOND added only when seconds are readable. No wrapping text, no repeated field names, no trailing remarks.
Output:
h=12 m=42
